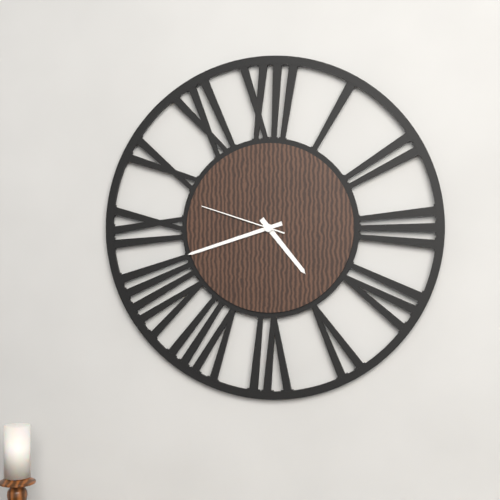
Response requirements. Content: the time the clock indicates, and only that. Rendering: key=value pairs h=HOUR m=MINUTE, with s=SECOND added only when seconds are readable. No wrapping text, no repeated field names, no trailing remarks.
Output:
h=4 m=42 s=48
